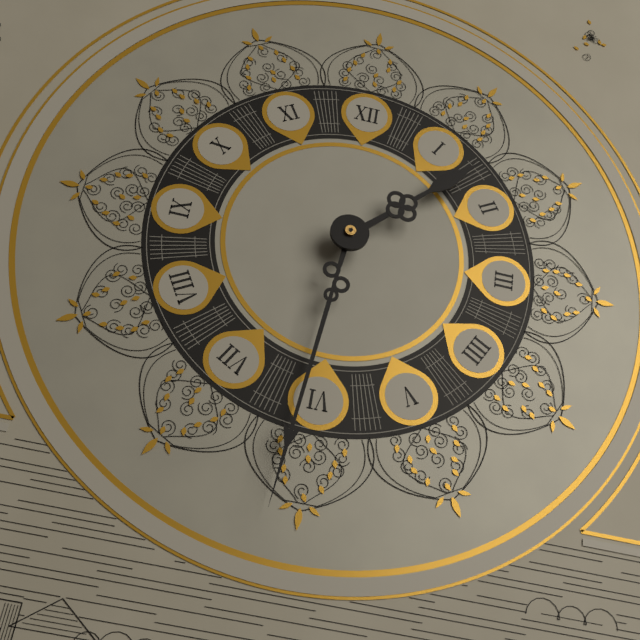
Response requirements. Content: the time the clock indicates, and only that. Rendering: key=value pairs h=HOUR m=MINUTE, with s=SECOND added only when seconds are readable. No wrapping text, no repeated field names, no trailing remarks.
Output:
h=1 m=31
